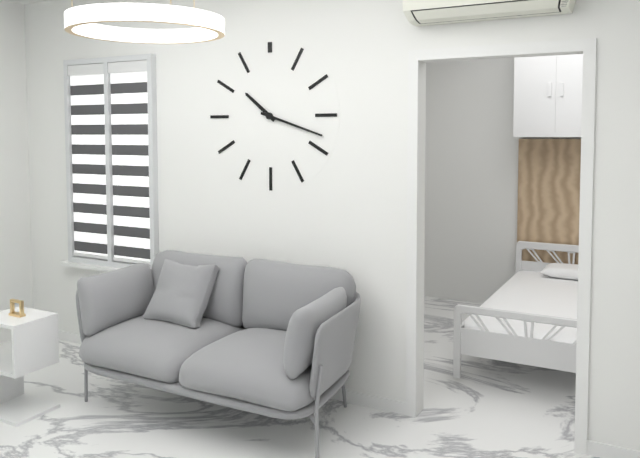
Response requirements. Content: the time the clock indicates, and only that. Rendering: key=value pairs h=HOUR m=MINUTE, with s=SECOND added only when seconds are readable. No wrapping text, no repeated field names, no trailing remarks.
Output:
h=10 m=18
